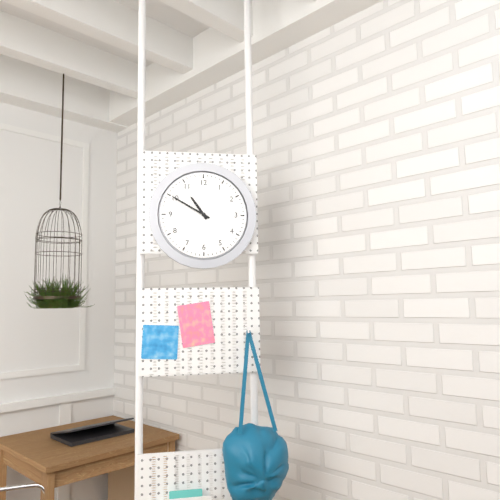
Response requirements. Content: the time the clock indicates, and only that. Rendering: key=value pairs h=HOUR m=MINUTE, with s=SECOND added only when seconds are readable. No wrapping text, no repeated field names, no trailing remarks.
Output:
h=10 m=50
